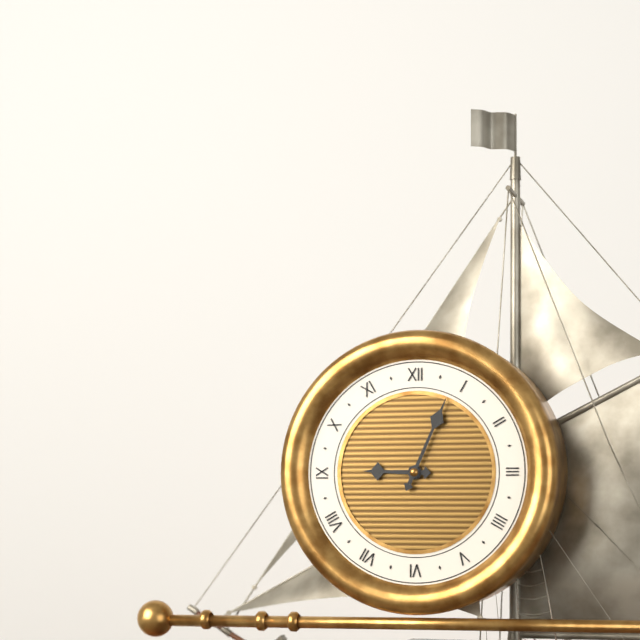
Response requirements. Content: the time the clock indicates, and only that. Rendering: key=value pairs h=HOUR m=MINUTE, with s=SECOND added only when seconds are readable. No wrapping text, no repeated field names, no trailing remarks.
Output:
h=9 m=4
